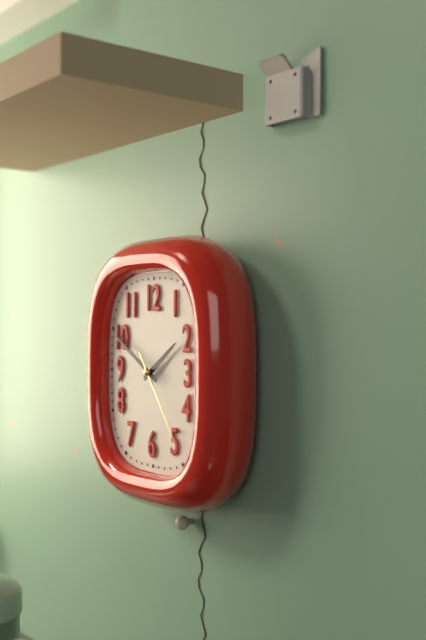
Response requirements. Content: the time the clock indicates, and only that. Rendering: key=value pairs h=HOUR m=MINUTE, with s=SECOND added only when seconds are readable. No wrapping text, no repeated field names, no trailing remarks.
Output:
h=1 m=50 s=24
